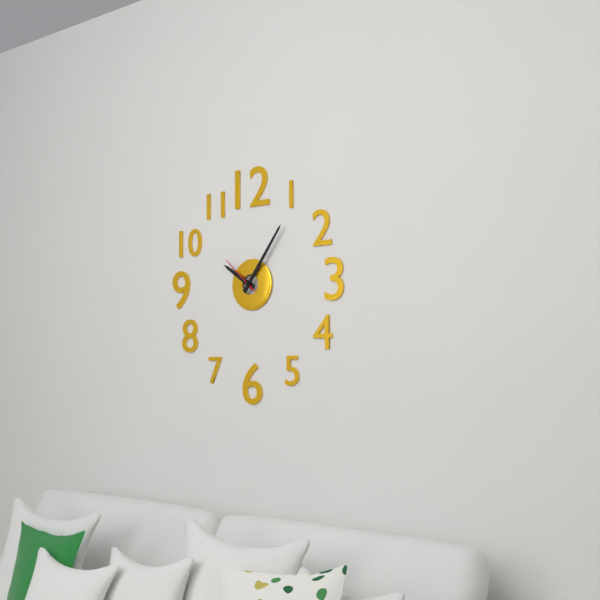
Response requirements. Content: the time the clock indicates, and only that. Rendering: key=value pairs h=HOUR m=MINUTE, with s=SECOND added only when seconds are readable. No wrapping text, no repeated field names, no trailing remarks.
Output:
h=10 m=6
